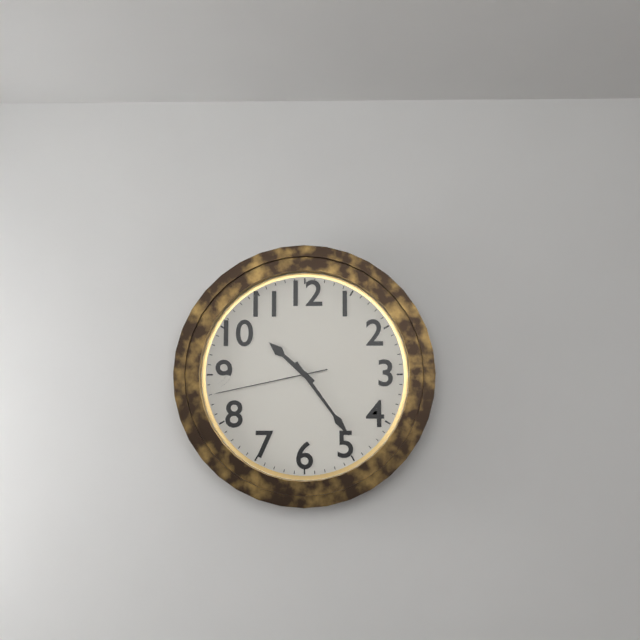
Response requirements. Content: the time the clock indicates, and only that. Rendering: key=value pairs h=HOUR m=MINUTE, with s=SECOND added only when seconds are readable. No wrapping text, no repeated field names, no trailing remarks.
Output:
h=10 m=24 s=43
